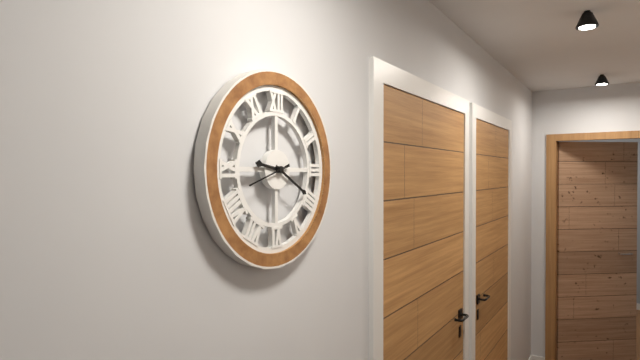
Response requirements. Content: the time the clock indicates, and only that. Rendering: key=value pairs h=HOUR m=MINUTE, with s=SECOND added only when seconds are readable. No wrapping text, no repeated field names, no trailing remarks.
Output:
h=9 m=20
